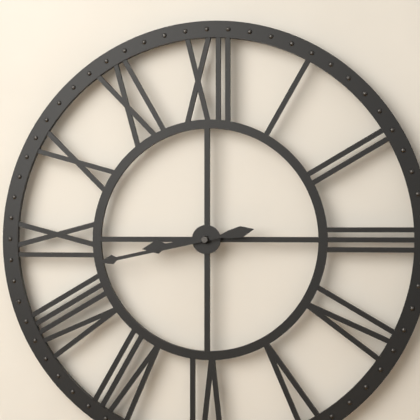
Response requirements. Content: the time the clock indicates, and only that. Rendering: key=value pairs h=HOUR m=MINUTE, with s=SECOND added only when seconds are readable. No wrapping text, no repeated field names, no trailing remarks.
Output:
h=8 m=43
